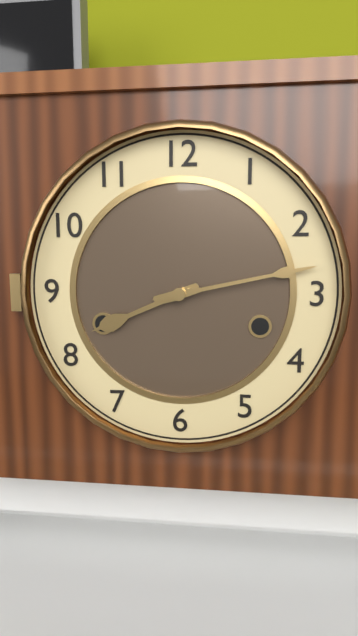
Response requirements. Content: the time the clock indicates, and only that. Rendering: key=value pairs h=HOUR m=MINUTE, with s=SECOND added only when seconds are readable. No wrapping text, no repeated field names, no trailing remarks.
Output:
h=8 m=13
